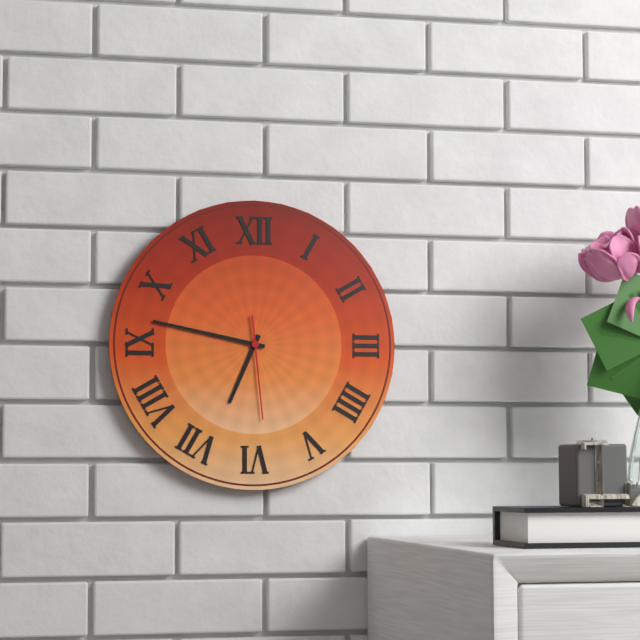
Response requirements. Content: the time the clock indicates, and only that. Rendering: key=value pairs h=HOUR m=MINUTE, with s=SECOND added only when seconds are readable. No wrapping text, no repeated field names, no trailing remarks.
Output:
h=6 m=47 s=29
